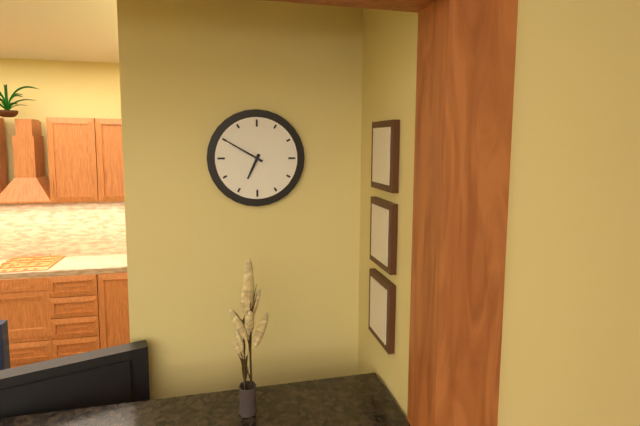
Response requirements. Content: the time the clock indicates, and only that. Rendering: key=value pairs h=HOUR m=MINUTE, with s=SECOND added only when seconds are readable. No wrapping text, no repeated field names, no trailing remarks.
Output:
h=6 m=50
